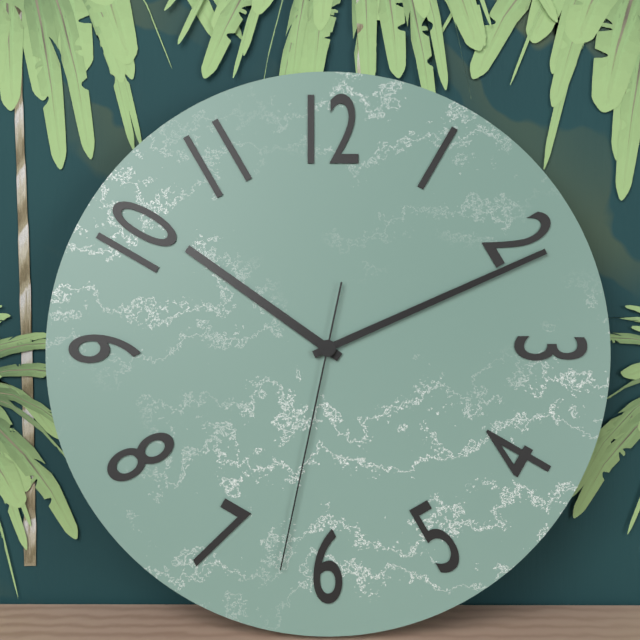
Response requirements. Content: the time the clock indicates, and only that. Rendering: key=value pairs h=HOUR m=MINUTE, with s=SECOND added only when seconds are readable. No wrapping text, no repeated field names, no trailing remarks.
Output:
h=10 m=11 s=32
